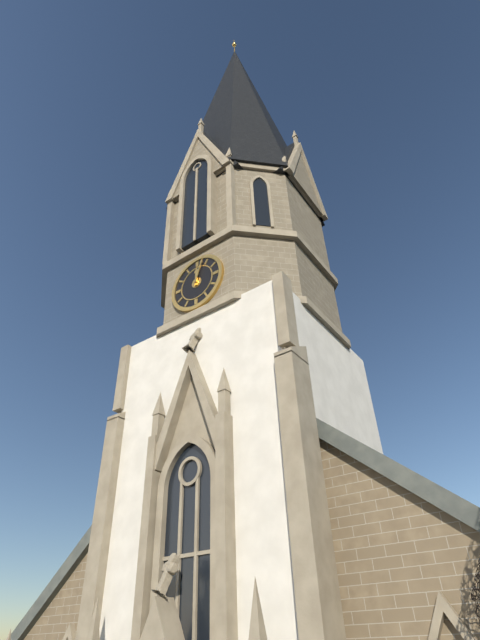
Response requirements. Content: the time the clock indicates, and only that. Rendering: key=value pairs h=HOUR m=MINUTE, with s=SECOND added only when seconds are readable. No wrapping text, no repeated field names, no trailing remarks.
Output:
h=12 m=3
